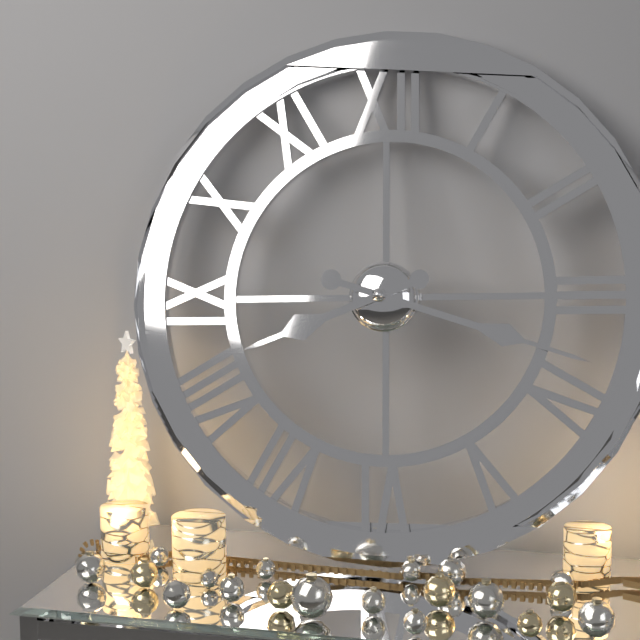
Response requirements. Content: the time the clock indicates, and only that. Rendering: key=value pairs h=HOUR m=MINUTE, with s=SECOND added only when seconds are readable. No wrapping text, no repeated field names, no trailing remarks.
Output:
h=8 m=18
